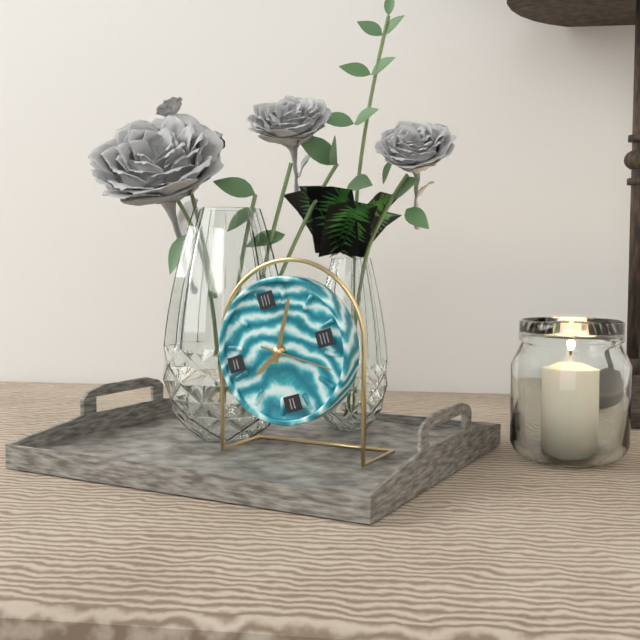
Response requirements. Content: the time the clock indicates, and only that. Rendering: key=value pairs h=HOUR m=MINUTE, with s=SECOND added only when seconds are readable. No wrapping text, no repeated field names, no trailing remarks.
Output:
h=8 m=5 s=20
